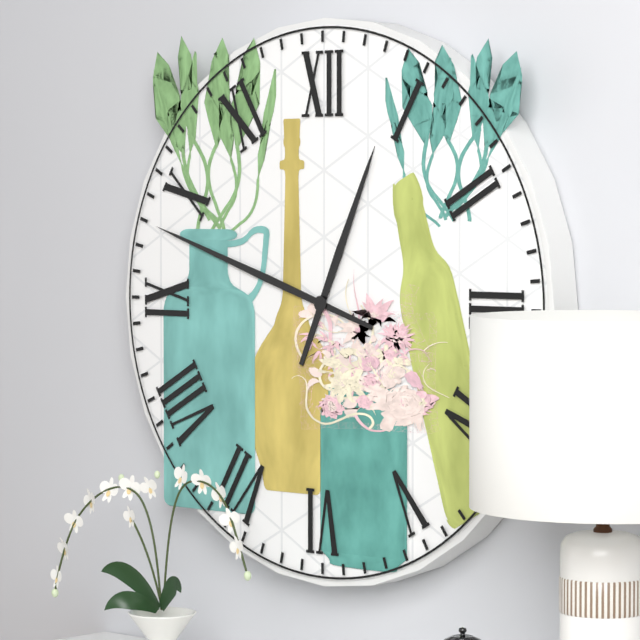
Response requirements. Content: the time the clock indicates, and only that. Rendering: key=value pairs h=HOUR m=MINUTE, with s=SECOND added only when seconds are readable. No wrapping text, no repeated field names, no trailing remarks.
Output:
h=12 m=48
